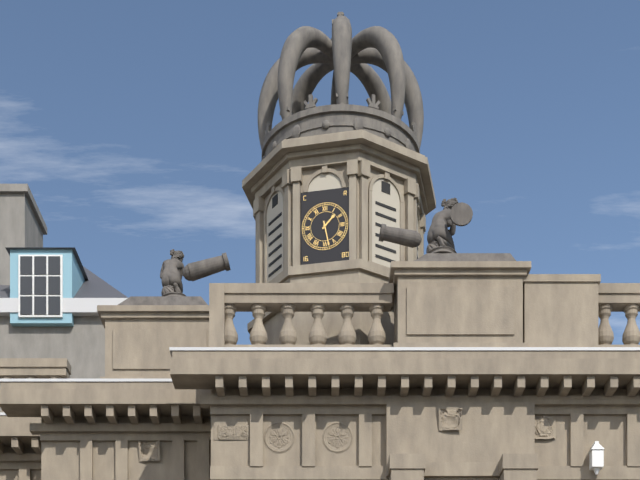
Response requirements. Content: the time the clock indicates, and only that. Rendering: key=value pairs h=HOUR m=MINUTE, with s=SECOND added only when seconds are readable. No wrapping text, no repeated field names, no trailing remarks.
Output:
h=1 m=28
